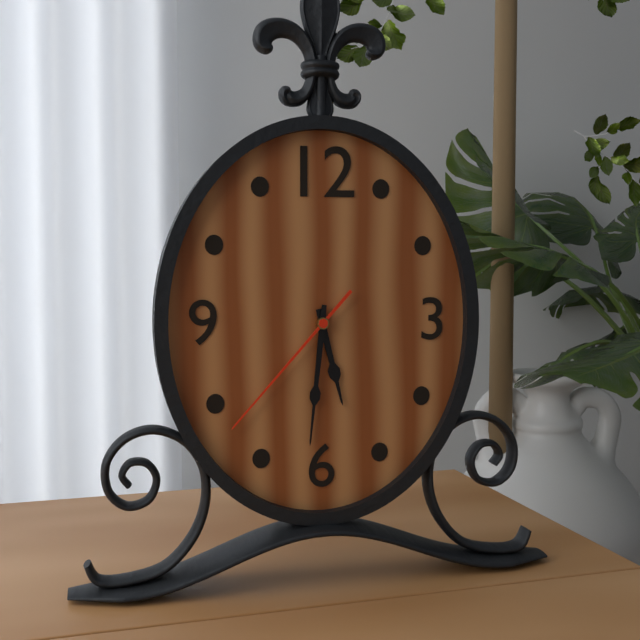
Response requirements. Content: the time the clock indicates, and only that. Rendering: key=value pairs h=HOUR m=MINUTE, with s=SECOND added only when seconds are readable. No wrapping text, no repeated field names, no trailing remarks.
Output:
h=5 m=31 s=37
